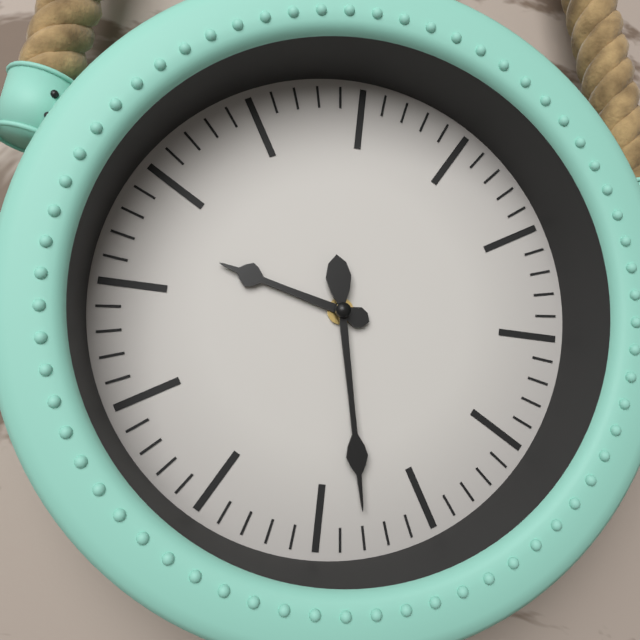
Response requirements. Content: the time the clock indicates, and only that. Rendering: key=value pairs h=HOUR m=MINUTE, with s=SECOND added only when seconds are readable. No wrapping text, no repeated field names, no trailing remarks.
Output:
h=9 m=28
